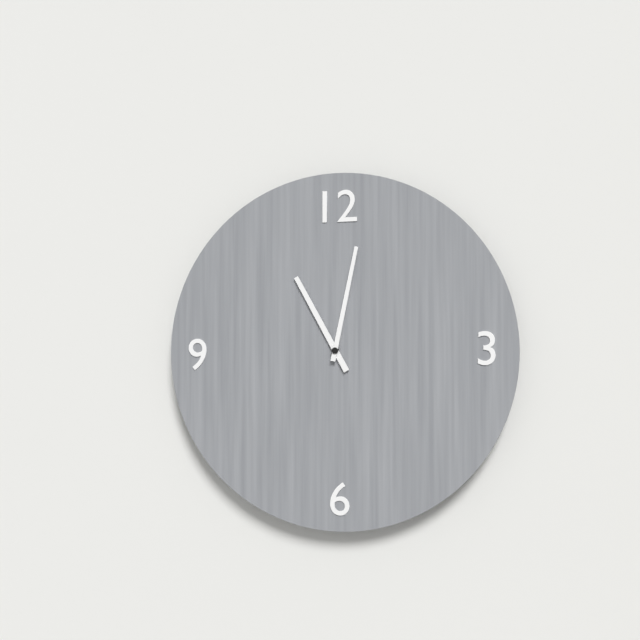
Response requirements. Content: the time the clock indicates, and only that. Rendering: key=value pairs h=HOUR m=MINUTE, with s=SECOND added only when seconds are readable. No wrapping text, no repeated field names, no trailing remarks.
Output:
h=11 m=2
